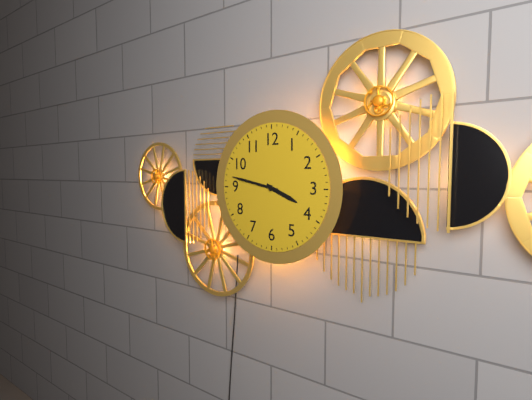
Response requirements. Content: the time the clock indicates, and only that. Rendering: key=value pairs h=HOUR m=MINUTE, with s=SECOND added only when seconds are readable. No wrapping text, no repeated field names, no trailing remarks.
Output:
h=3 m=47
